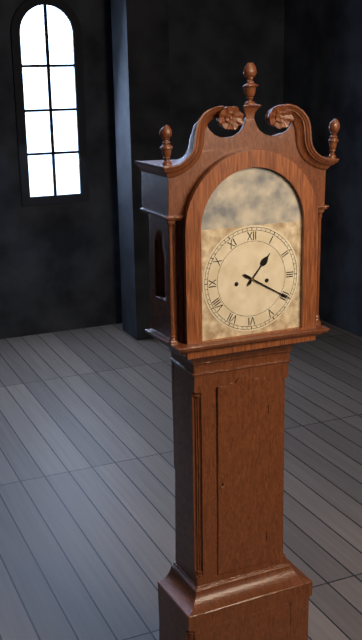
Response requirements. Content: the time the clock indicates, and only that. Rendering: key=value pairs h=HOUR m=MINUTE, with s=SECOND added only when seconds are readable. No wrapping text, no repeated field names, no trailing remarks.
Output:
h=1 m=20
